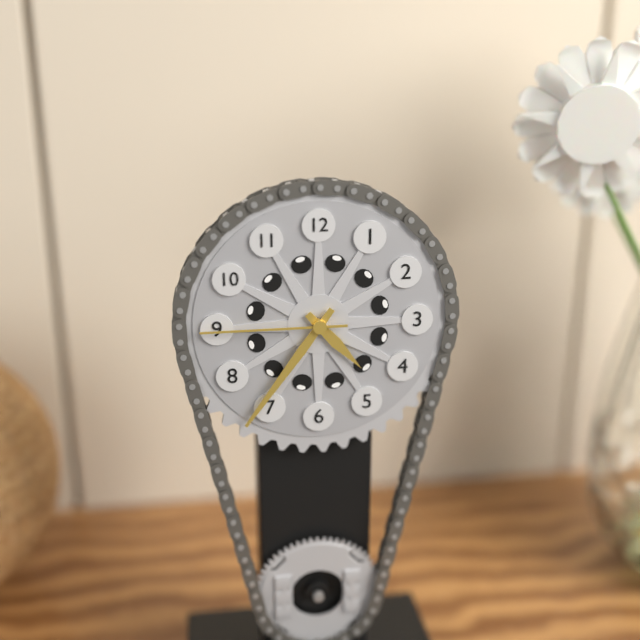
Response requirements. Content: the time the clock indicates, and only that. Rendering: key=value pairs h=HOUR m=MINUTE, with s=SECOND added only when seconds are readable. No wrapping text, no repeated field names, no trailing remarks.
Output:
h=4 m=36 s=45
